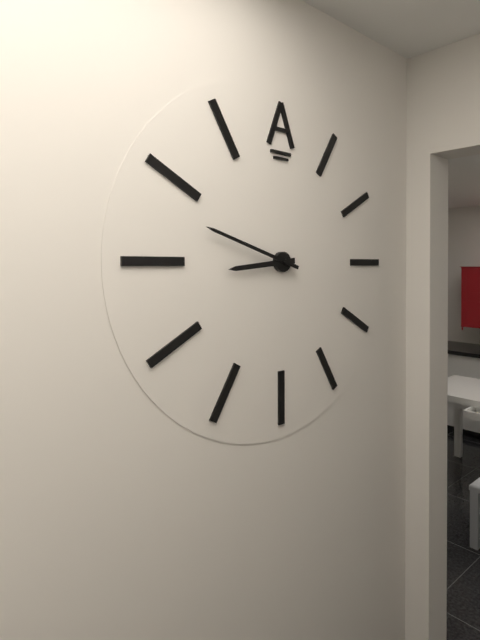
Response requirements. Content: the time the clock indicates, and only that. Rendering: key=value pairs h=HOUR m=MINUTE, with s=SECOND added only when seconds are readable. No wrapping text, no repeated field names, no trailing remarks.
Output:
h=8 m=48
